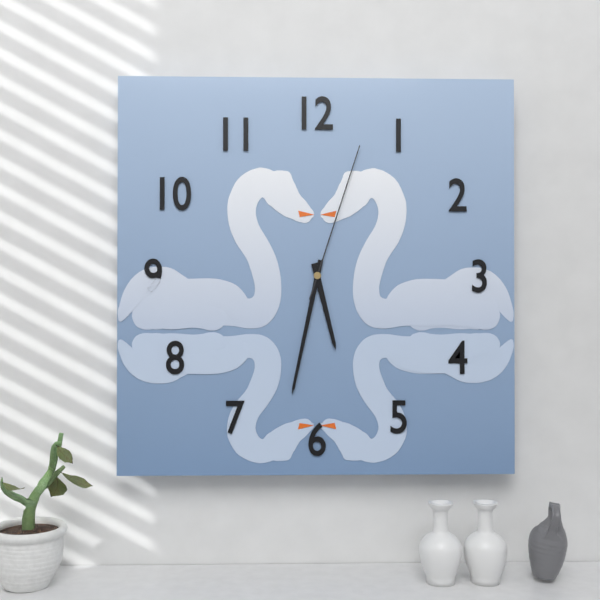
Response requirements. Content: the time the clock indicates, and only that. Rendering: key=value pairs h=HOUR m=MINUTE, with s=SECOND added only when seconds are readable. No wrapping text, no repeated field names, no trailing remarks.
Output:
h=5 m=32 s=3
